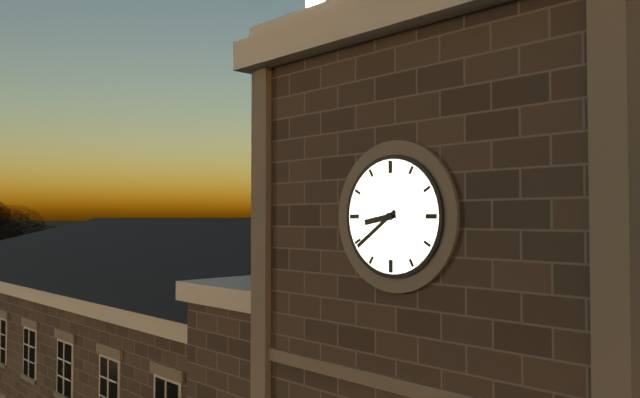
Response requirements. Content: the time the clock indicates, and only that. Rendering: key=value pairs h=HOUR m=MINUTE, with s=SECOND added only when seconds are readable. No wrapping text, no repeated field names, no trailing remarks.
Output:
h=8 m=39
